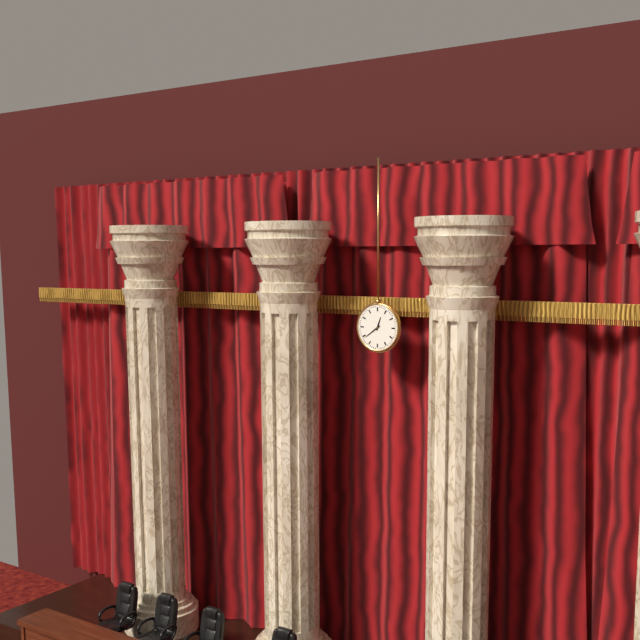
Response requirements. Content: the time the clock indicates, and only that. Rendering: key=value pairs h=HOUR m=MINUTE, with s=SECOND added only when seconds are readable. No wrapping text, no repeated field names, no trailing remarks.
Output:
h=12 m=39
